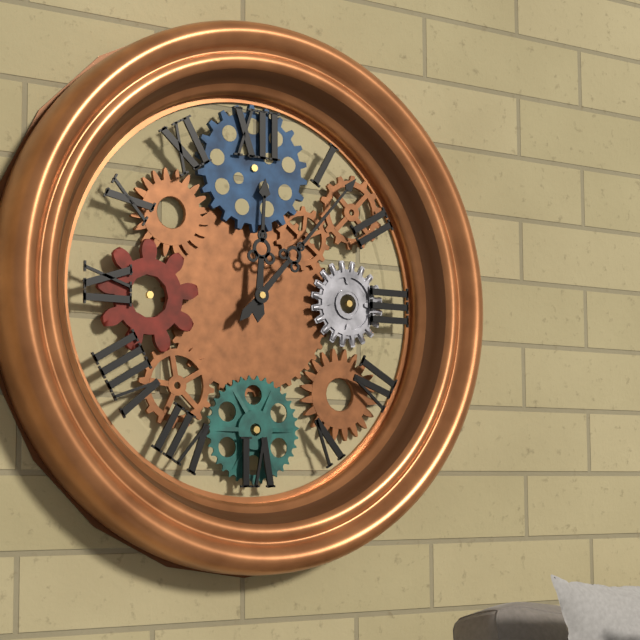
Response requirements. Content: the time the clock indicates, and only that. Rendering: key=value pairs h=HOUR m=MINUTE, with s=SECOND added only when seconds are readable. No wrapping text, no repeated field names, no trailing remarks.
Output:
h=12 m=7
